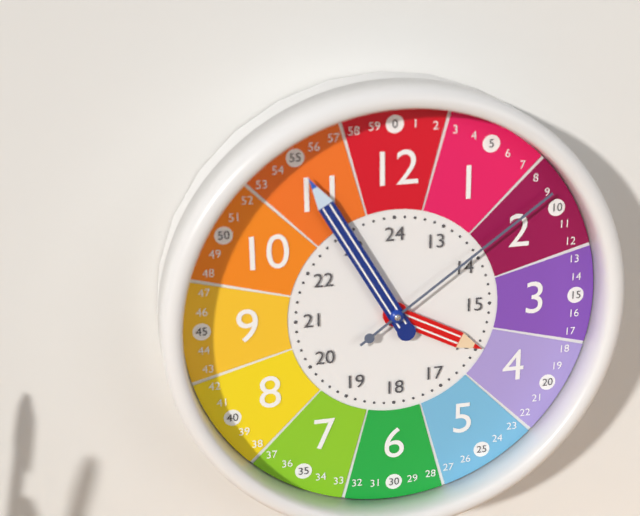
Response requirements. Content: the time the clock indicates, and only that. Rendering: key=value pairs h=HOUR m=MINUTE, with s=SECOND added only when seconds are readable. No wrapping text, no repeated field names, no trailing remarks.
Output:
h=3 m=55 s=9
